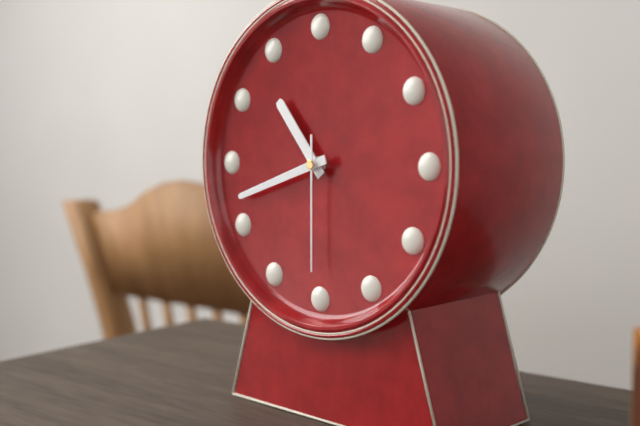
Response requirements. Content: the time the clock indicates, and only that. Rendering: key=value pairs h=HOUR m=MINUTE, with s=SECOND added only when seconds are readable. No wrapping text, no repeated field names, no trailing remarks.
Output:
h=10 m=42 s=30
